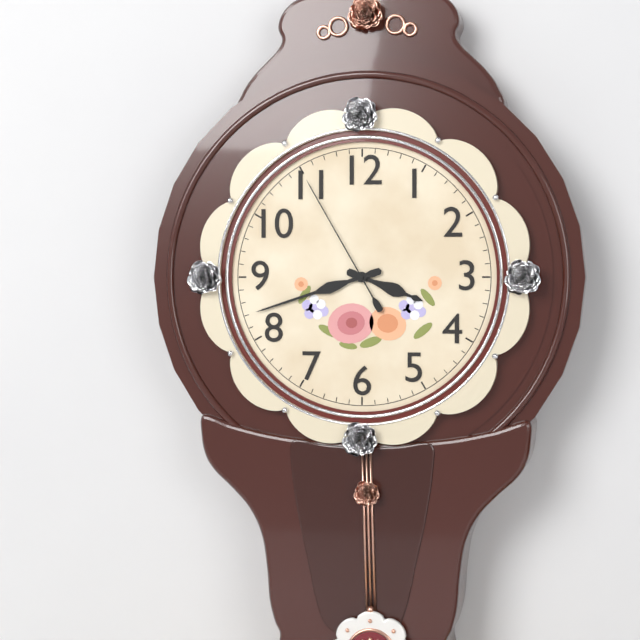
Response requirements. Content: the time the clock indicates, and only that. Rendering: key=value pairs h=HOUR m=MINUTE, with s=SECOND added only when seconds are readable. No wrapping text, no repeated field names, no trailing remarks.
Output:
h=3 m=42 s=55
